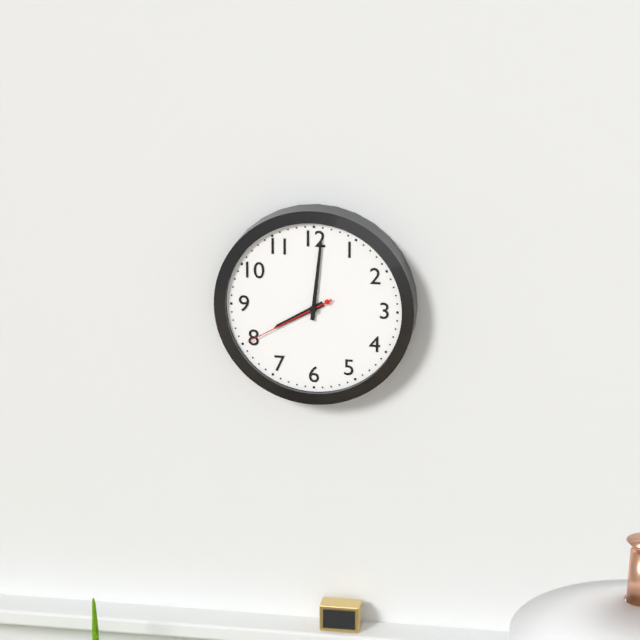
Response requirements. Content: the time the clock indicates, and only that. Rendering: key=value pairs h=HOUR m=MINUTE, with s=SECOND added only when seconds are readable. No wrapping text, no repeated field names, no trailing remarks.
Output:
h=8 m=1 s=40
